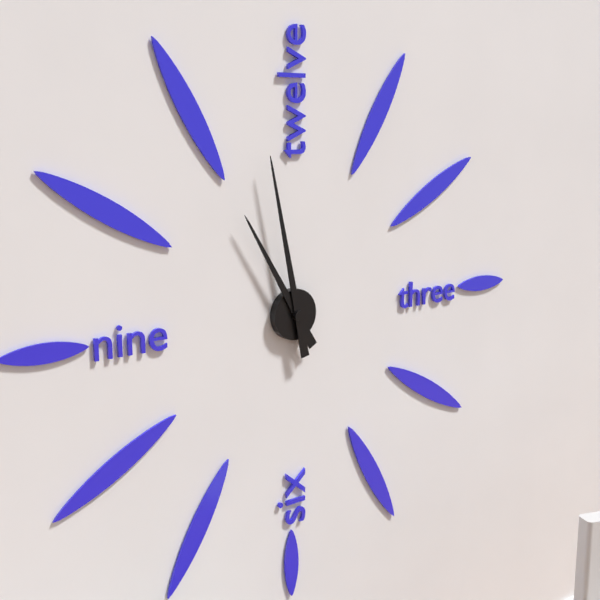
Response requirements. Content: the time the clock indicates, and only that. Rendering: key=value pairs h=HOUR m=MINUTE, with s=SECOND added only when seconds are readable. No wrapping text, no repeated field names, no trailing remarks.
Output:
h=10 m=58
